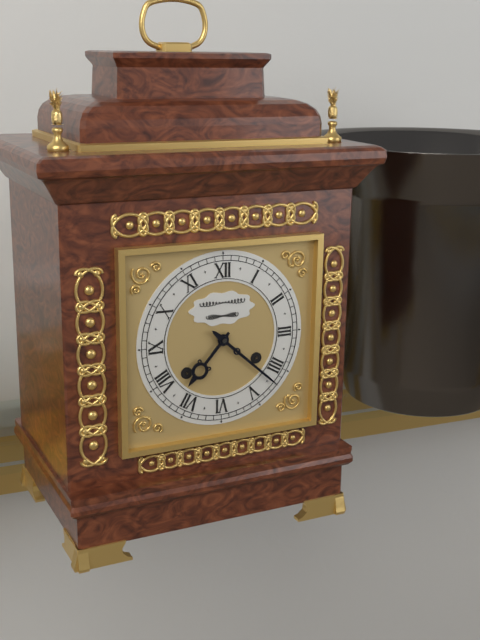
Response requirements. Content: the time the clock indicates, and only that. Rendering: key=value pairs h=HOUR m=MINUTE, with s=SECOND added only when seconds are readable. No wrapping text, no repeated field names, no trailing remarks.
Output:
h=7 m=22
